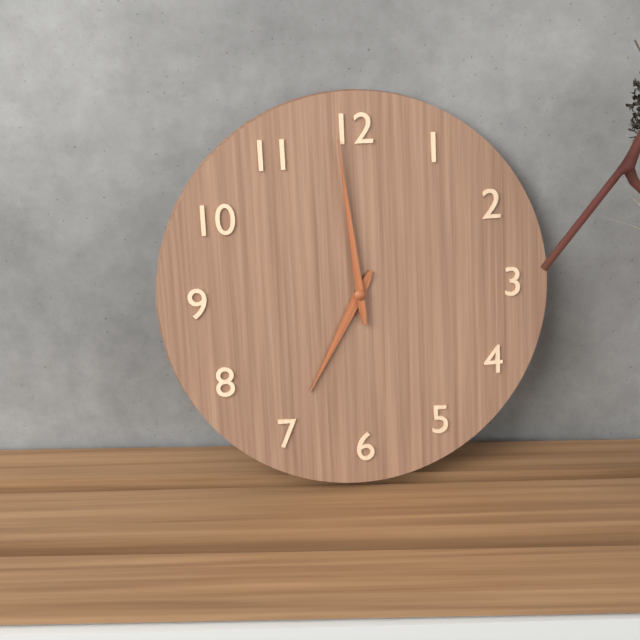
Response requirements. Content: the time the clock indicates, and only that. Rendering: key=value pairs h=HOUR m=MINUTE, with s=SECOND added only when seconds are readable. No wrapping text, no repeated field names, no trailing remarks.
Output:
h=6 m=59
